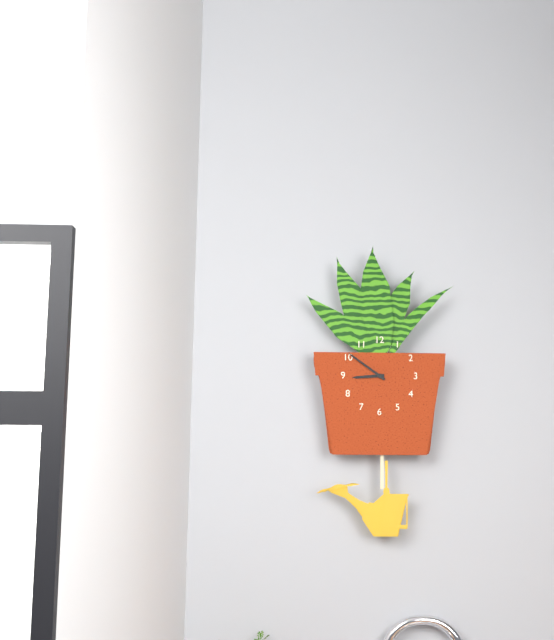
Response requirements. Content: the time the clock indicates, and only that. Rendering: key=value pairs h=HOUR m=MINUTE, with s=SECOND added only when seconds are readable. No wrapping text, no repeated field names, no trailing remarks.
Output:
h=8 m=51
